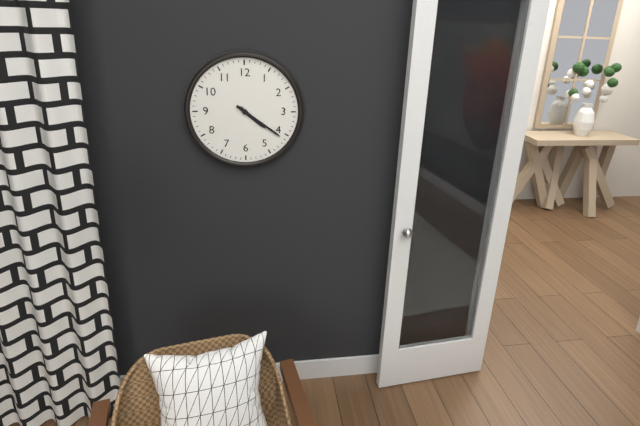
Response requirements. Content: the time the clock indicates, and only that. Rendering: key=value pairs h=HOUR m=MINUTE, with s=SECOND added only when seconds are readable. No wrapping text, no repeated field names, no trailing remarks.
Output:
h=4 m=21
